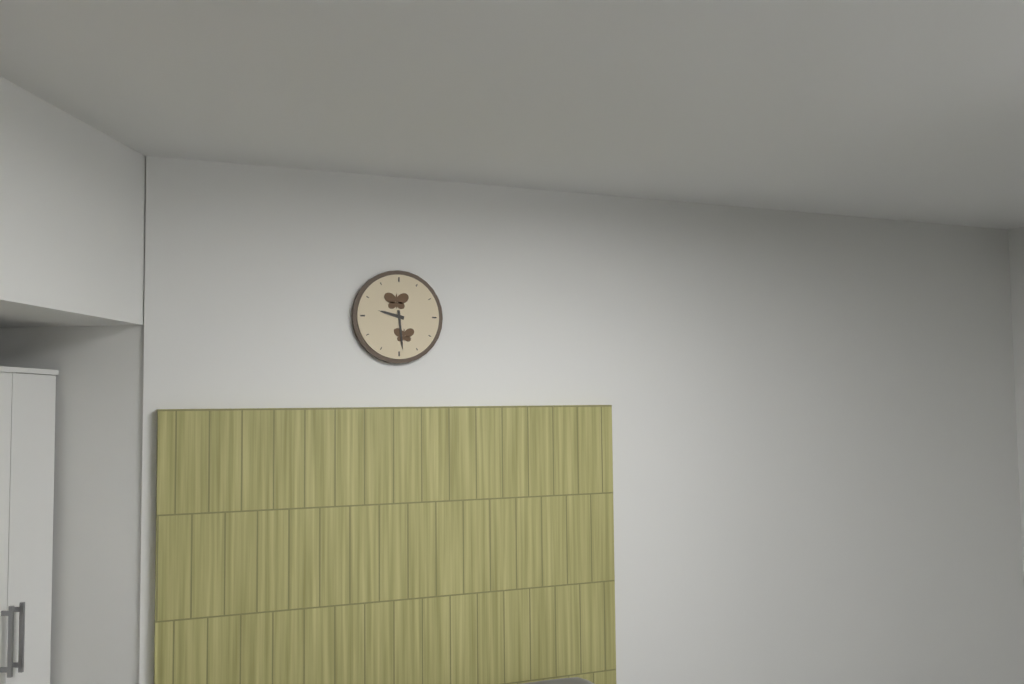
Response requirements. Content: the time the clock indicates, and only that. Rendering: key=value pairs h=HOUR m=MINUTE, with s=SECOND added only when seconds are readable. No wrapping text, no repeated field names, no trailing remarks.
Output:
h=9 m=29
